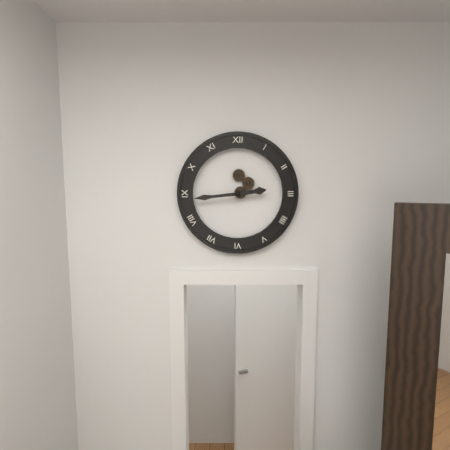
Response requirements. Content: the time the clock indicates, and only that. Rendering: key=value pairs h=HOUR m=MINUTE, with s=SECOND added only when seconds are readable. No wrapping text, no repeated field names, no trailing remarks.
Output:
h=2 m=44
